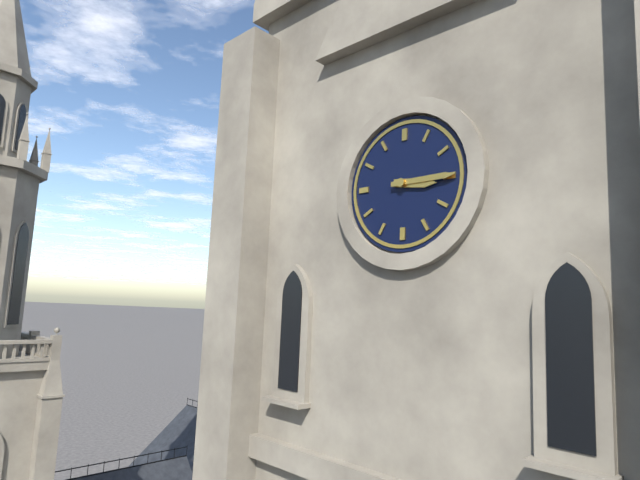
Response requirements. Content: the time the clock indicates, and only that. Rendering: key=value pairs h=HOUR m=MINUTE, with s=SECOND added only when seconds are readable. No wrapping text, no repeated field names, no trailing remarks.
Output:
h=3 m=15
